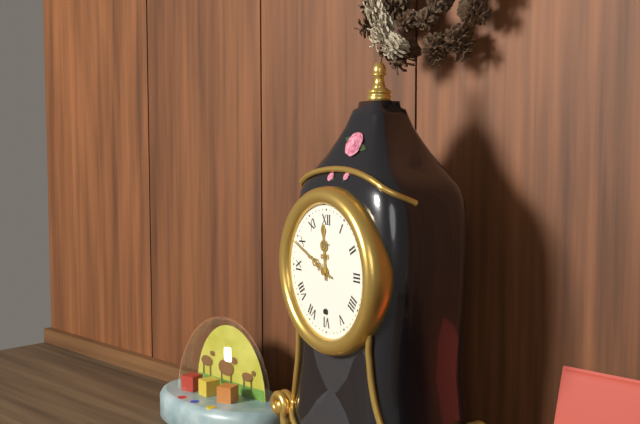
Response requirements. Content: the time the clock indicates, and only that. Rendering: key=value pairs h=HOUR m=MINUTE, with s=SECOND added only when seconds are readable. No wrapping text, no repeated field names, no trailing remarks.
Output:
h=11 m=49
